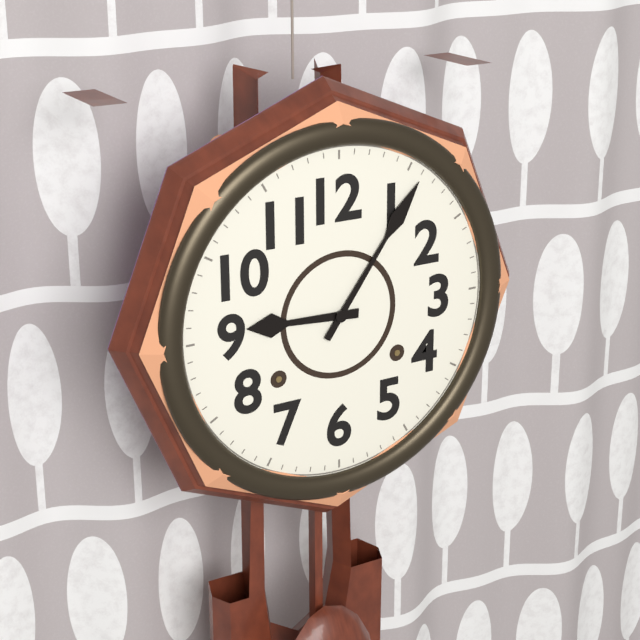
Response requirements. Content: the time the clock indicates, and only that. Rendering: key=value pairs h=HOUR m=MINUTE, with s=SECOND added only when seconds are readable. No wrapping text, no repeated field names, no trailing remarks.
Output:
h=9 m=6
